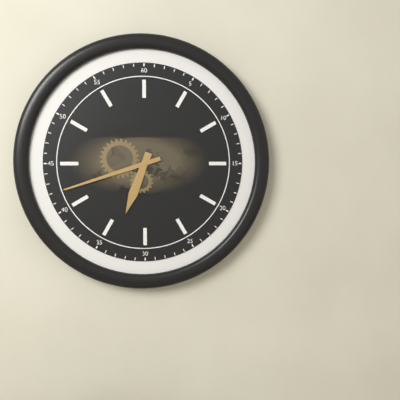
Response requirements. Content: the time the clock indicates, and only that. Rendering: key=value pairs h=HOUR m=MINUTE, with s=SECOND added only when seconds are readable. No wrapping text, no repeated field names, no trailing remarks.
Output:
h=6 m=42
